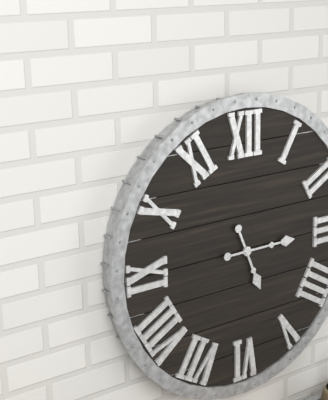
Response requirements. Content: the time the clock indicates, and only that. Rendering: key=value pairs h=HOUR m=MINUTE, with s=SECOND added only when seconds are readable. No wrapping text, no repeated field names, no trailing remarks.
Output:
h=5 m=15
